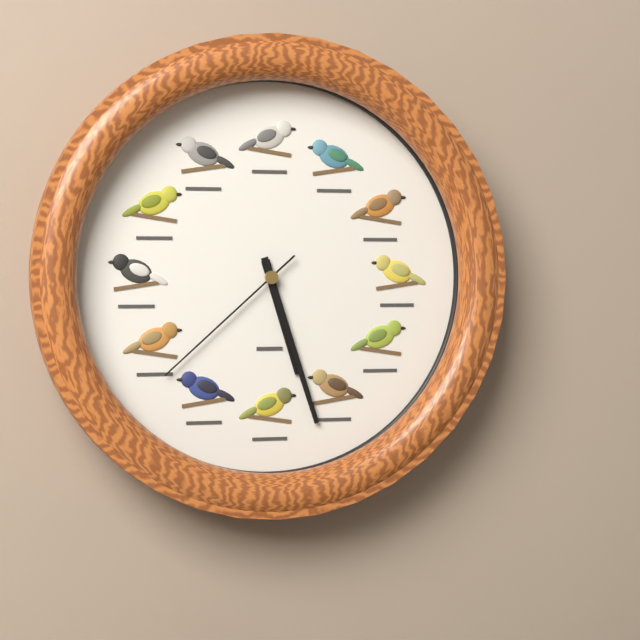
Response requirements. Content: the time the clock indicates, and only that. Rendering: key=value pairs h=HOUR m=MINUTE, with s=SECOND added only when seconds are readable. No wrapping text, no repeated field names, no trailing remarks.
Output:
h=5 m=27 s=38
